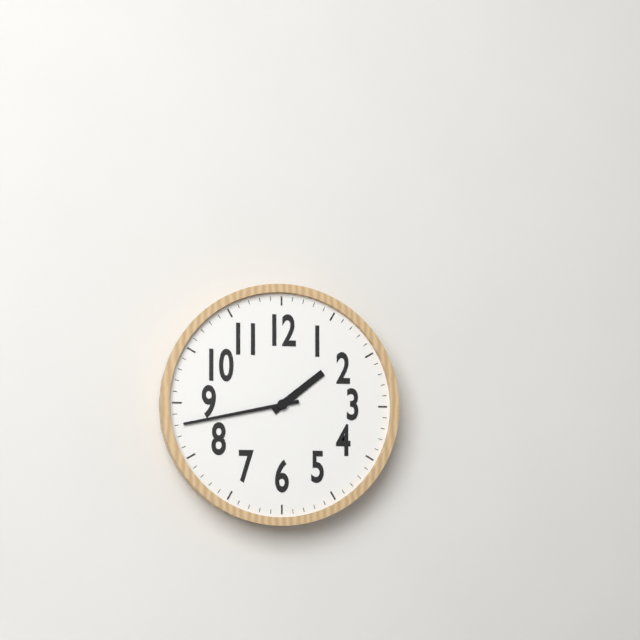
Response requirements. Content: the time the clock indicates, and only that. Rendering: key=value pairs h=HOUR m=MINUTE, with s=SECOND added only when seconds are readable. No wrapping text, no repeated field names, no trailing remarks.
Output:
h=1 m=43
